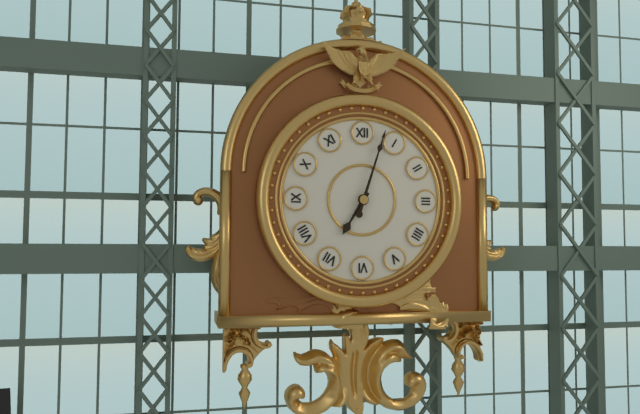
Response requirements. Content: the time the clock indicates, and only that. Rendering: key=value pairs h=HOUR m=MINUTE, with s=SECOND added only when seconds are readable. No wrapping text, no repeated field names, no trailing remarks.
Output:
h=7 m=3
